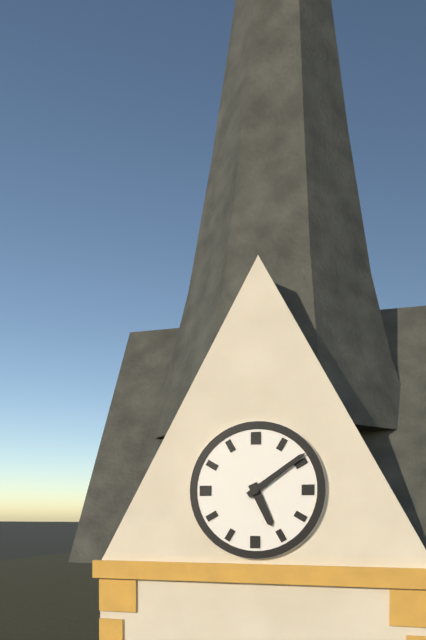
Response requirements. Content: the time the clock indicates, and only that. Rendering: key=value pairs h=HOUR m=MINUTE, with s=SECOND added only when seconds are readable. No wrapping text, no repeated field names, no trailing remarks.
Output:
h=5 m=9
